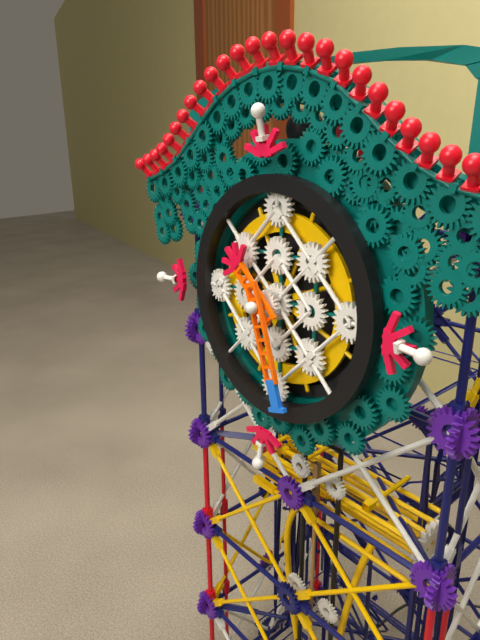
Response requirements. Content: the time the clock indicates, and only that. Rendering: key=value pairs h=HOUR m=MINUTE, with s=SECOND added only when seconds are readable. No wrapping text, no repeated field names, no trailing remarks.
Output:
h=10 m=27
